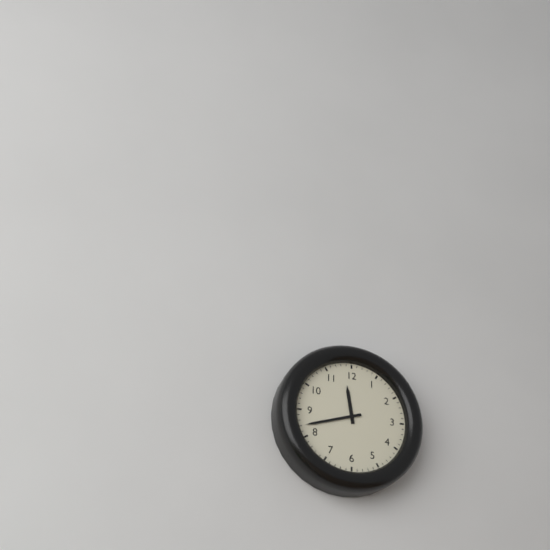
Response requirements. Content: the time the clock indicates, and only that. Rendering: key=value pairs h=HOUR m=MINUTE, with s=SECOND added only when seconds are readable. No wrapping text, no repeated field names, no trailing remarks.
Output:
h=11 m=42
